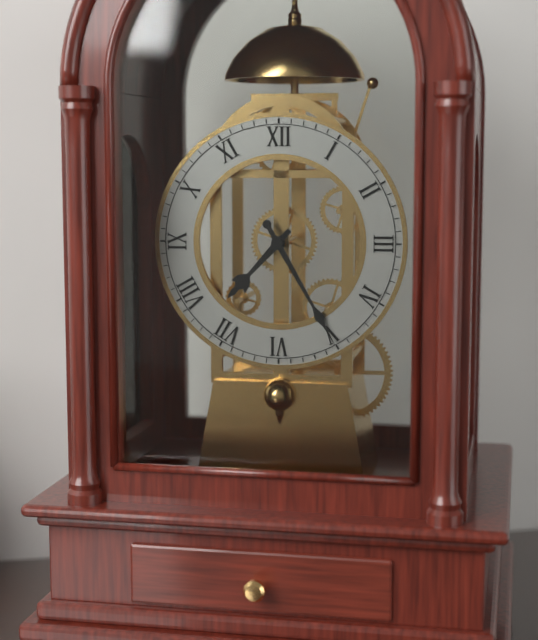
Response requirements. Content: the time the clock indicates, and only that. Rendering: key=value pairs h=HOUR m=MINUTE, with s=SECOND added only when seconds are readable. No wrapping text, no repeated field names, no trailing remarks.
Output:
h=7 m=25
